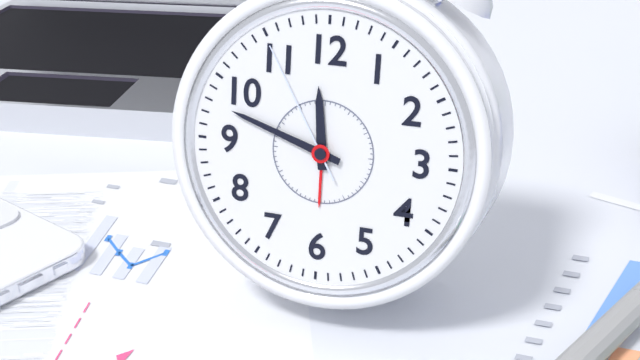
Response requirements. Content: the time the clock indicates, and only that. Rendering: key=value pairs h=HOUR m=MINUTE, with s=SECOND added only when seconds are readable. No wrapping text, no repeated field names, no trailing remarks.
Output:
h=11 m=48 s=55
